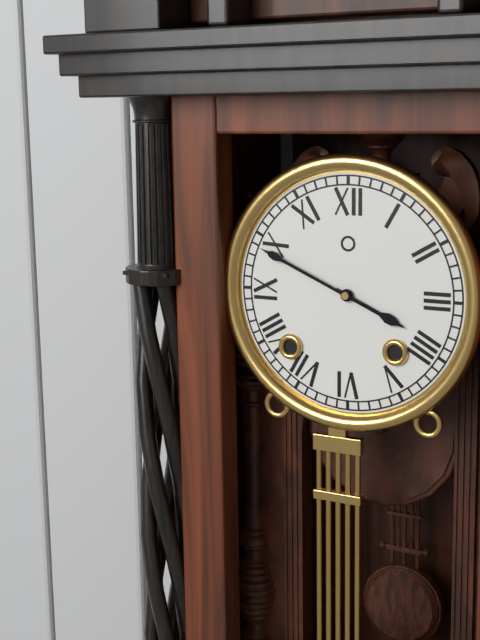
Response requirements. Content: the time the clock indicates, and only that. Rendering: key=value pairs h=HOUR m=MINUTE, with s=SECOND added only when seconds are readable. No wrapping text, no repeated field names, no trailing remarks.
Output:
h=3 m=49
